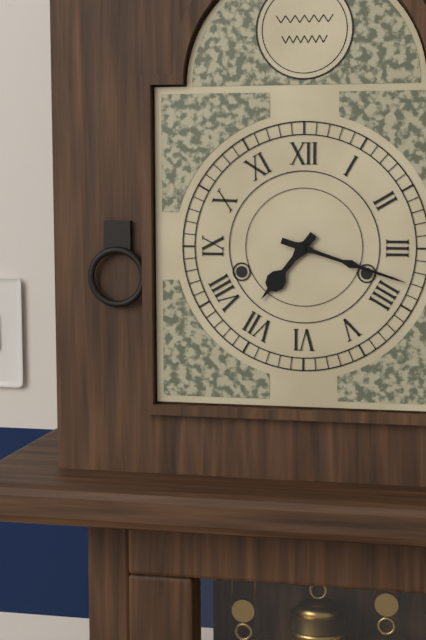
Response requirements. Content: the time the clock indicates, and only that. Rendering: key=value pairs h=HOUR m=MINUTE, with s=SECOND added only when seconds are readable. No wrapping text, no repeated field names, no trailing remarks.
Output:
h=7 m=18
